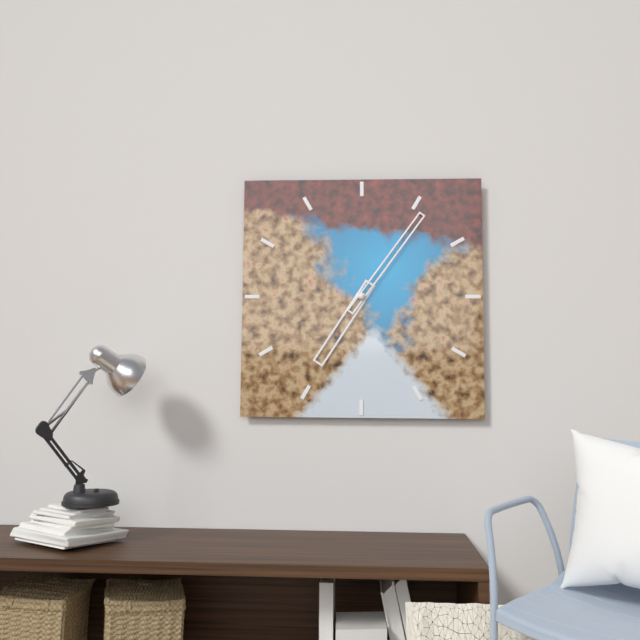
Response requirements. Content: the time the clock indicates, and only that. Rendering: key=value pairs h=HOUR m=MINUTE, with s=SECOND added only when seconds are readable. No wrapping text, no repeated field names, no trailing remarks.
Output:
h=7 m=6
